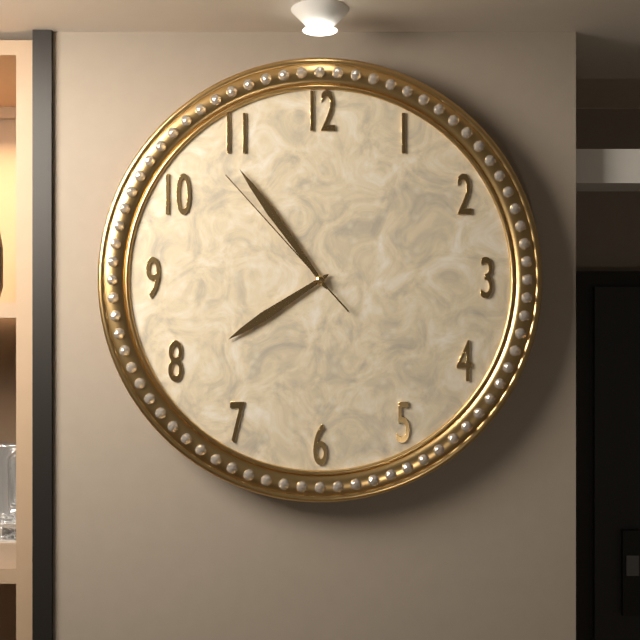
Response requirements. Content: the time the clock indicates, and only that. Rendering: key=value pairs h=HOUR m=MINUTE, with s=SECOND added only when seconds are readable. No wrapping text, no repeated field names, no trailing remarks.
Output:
h=7 m=54 s=53
